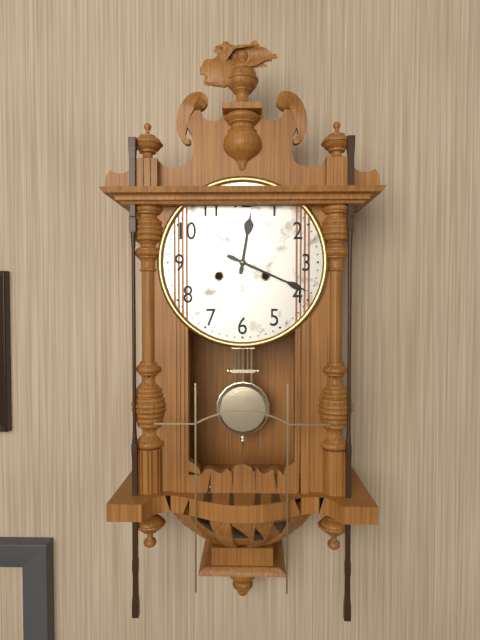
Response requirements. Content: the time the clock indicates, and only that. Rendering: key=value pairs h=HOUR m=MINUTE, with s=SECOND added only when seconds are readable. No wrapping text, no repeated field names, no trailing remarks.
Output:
h=12 m=19
